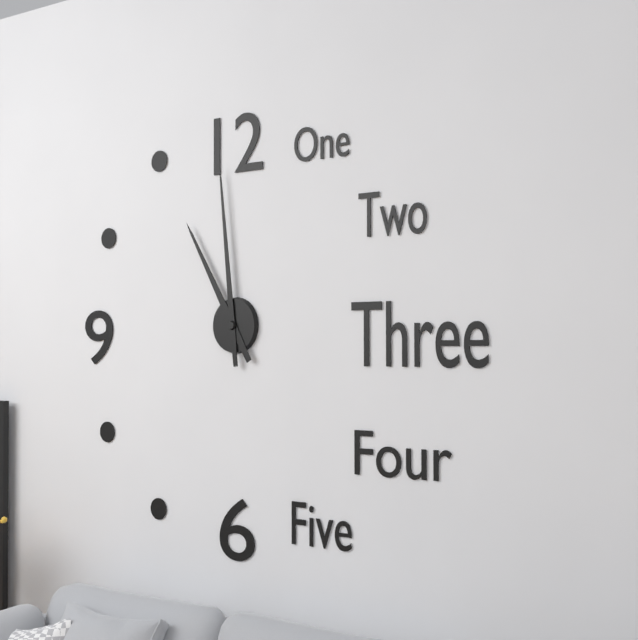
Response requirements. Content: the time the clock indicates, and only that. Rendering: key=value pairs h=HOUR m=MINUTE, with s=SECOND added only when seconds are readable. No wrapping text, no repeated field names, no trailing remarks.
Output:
h=10 m=59
